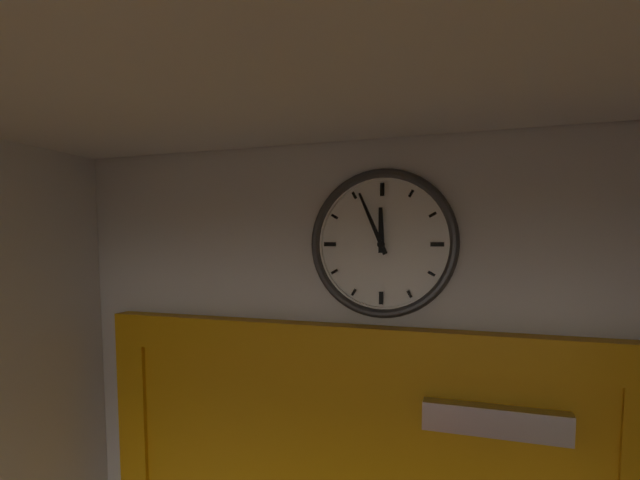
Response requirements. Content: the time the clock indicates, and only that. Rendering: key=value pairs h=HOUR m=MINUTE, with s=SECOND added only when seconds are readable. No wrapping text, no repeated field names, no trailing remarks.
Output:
h=11 m=56
